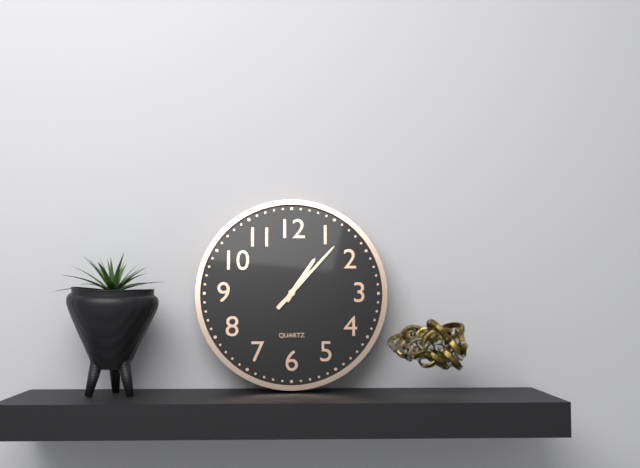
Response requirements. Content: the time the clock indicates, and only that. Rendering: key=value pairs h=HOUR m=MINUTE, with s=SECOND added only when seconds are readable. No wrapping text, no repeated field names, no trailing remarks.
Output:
h=1 m=7 s=7
